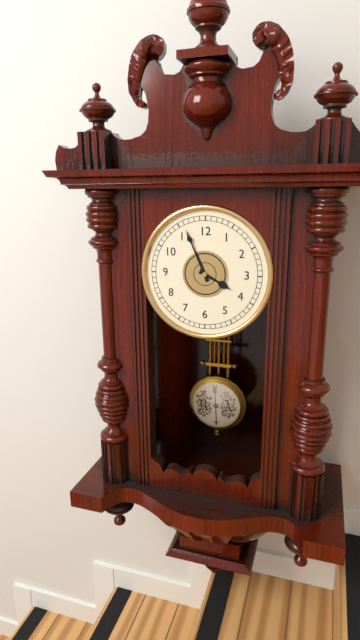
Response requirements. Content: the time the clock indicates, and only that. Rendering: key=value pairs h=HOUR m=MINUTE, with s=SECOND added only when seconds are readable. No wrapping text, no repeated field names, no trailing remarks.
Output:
h=3 m=56
